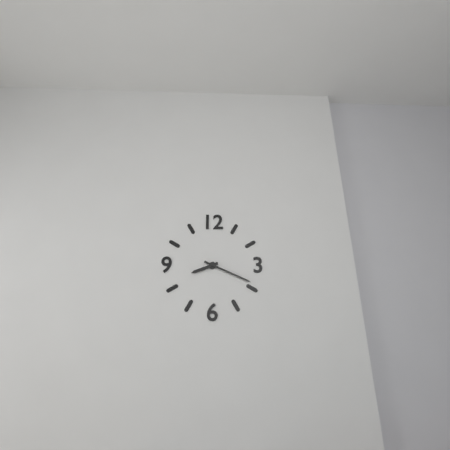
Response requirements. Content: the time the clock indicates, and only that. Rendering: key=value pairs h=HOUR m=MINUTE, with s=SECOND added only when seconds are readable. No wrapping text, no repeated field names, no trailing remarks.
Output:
h=8 m=19
